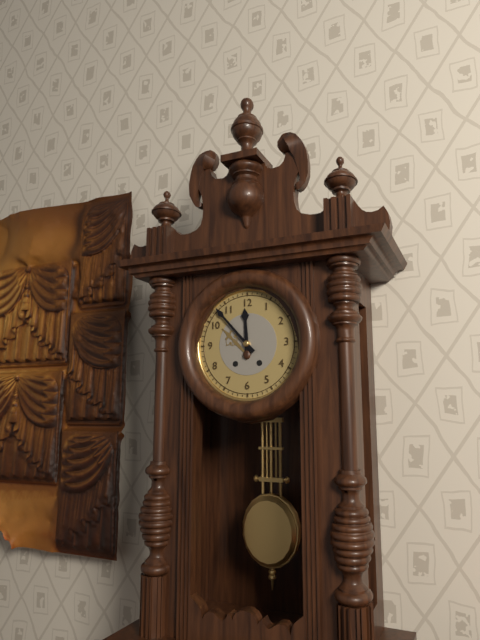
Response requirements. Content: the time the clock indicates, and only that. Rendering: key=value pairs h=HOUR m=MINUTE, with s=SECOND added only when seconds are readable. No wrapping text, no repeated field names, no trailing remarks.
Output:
h=11 m=53
